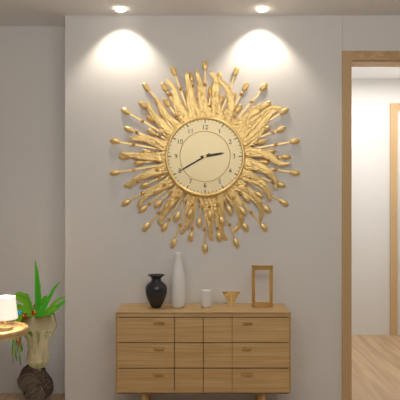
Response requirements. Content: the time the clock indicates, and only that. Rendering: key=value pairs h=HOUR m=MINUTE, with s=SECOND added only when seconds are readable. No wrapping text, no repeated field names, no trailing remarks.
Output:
h=2 m=40
